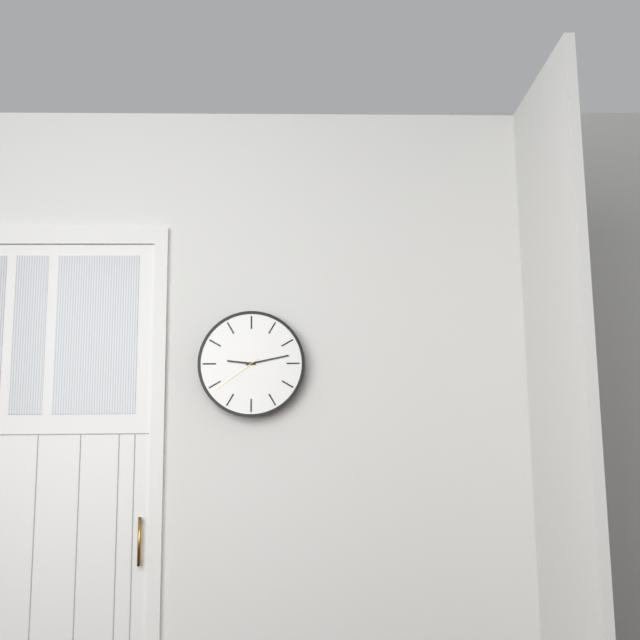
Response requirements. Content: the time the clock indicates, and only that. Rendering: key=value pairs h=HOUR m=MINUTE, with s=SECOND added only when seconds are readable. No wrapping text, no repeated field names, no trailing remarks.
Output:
h=9 m=13 s=39
